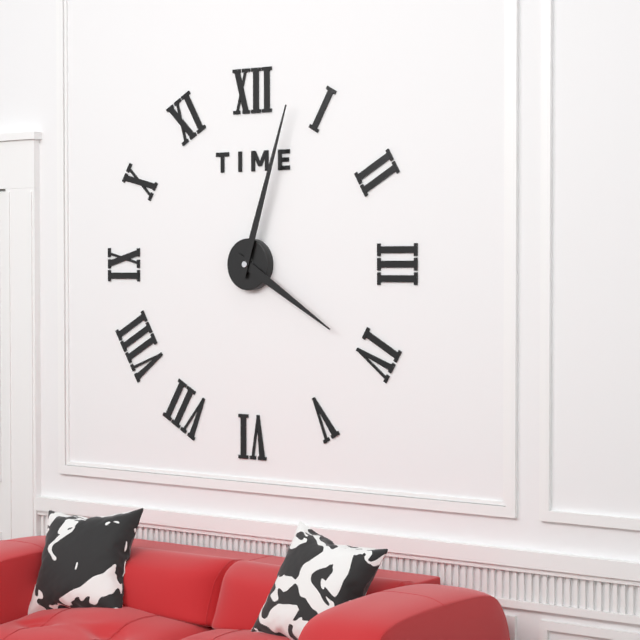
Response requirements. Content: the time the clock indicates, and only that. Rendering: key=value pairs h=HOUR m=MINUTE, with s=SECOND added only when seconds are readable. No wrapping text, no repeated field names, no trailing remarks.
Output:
h=4 m=3
